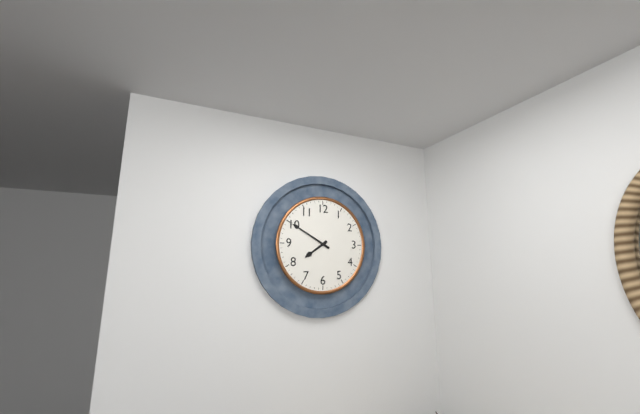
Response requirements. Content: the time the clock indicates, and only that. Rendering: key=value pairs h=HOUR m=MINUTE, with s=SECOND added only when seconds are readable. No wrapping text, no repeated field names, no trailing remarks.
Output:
h=7 m=50
